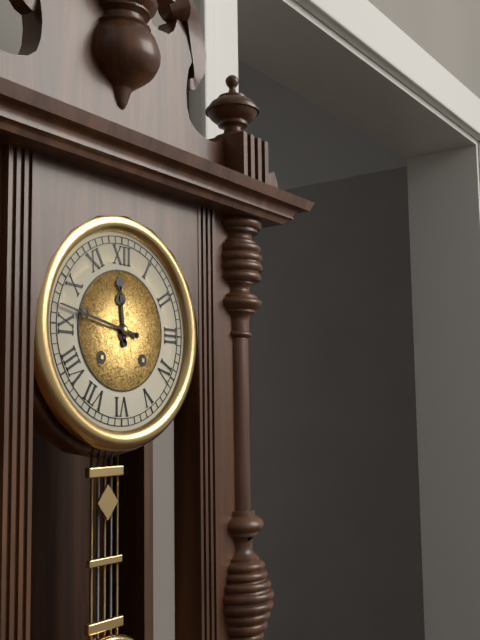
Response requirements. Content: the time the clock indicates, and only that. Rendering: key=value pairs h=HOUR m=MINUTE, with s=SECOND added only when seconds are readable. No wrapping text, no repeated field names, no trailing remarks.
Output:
h=11 m=47
